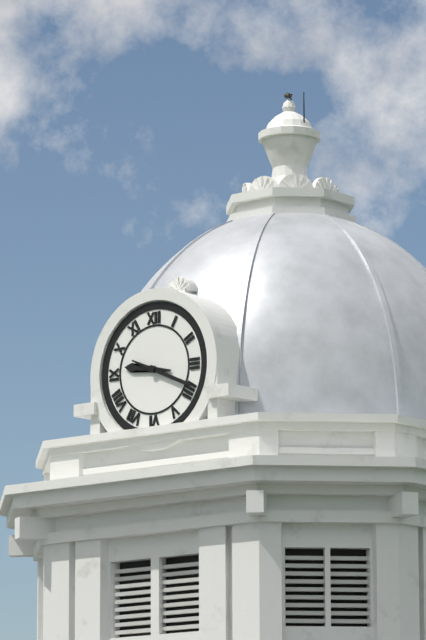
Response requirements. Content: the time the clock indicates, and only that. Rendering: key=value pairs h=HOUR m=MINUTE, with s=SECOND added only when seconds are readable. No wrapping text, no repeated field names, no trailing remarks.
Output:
h=9 m=19
